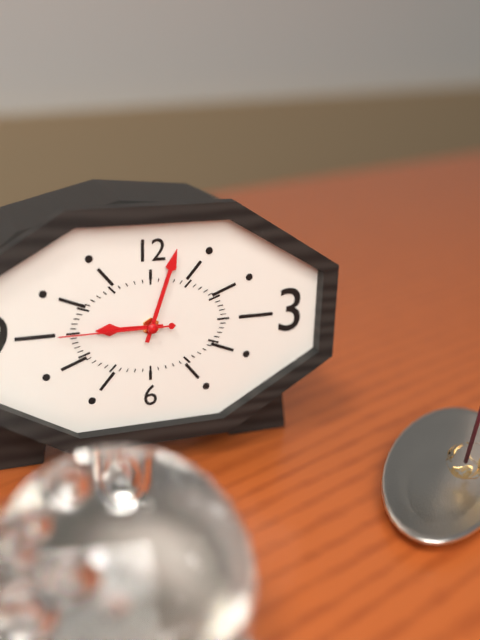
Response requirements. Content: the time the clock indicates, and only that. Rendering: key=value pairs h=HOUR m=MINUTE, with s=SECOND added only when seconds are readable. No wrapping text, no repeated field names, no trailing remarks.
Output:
h=9 m=3 s=45
